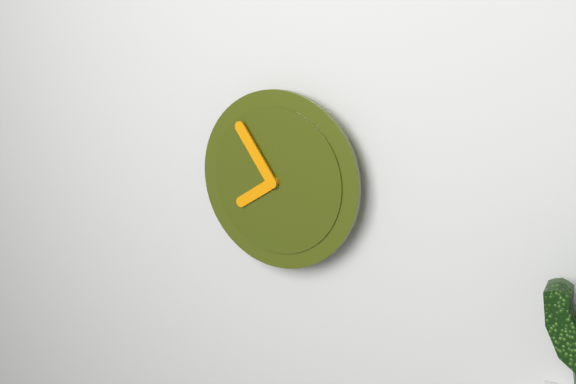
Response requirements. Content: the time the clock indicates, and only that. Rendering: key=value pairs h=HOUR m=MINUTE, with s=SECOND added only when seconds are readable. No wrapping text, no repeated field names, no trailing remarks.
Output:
h=7 m=54
